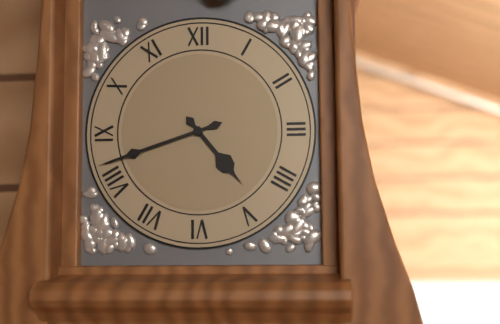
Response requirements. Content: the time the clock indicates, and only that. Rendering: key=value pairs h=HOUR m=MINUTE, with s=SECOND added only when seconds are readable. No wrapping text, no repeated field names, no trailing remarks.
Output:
h=4 m=42
